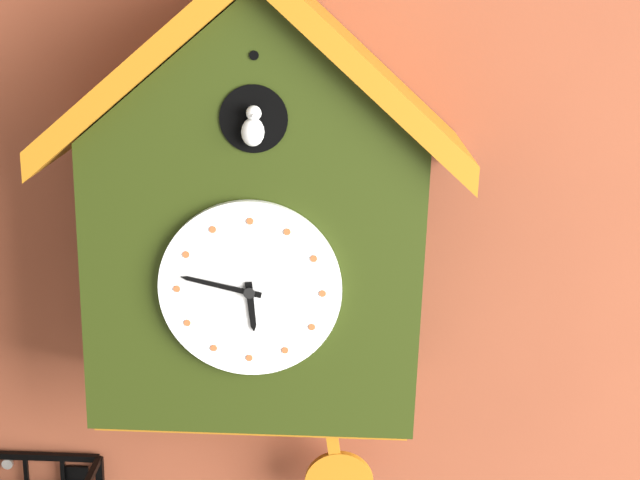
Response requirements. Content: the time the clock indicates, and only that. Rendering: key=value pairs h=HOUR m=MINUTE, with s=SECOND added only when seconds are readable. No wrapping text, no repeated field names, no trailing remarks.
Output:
h=5 m=47
